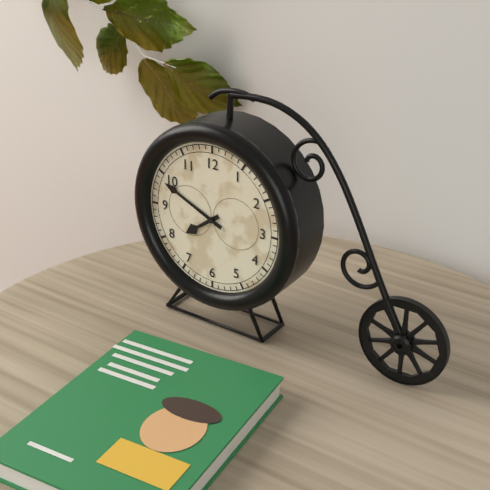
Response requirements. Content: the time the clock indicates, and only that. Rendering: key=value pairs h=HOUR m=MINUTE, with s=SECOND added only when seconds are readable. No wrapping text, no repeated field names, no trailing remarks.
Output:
h=7 m=49
